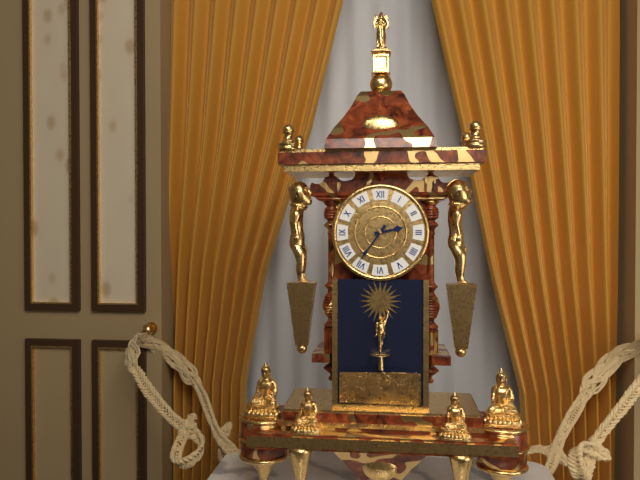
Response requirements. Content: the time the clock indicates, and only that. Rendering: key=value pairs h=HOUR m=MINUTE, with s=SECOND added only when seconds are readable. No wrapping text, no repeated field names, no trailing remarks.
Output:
h=2 m=36
